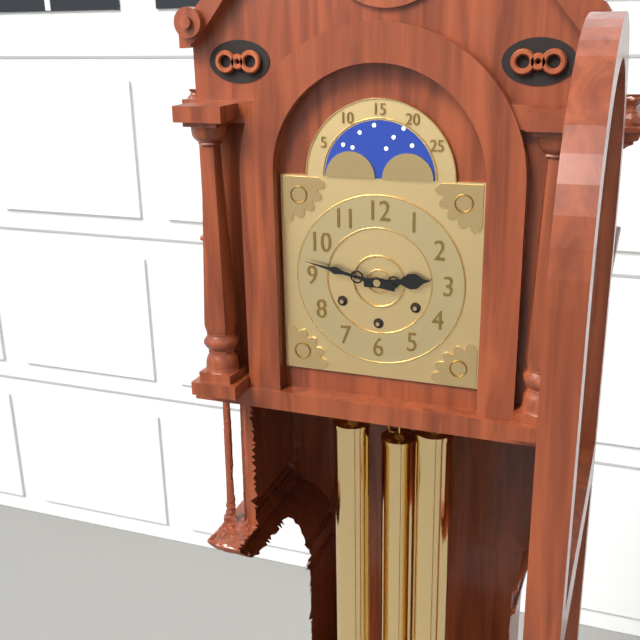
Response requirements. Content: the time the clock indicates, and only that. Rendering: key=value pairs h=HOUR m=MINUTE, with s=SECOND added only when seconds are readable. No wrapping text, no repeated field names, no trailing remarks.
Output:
h=2 m=47
